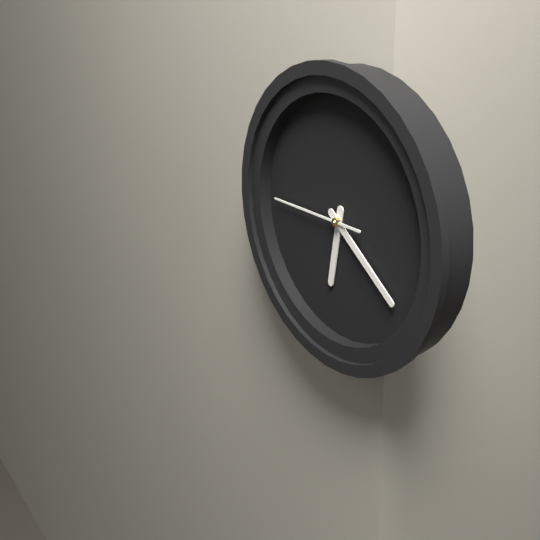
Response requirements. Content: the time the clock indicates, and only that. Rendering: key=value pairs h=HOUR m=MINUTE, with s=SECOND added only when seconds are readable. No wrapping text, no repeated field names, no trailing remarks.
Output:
h=6 m=21 s=45
